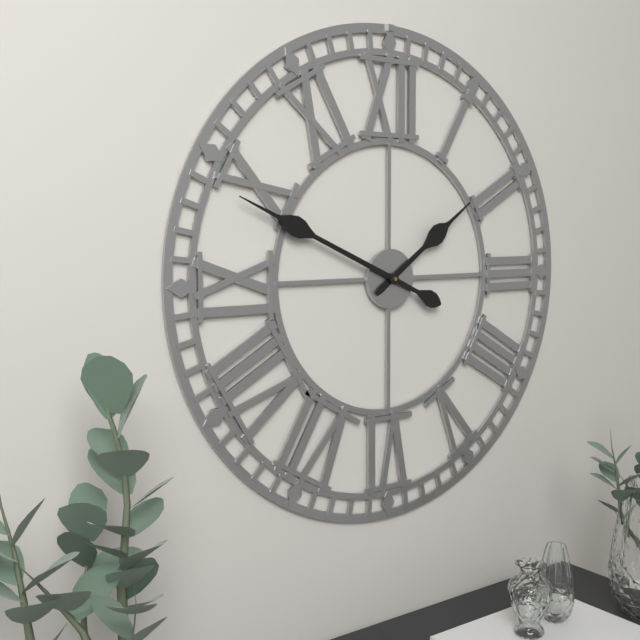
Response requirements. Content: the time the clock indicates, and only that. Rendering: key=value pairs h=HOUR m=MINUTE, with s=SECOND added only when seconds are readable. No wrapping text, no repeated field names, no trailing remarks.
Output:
h=1 m=49
